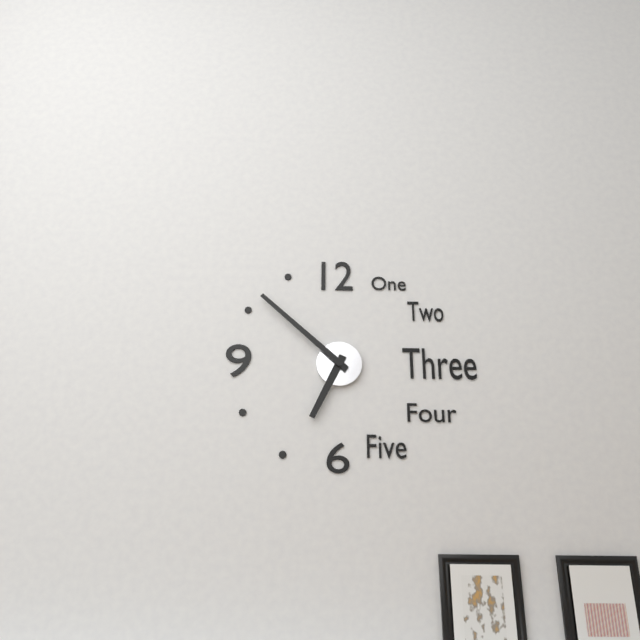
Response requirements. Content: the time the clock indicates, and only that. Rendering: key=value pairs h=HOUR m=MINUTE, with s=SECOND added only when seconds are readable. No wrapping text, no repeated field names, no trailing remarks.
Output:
h=6 m=52
